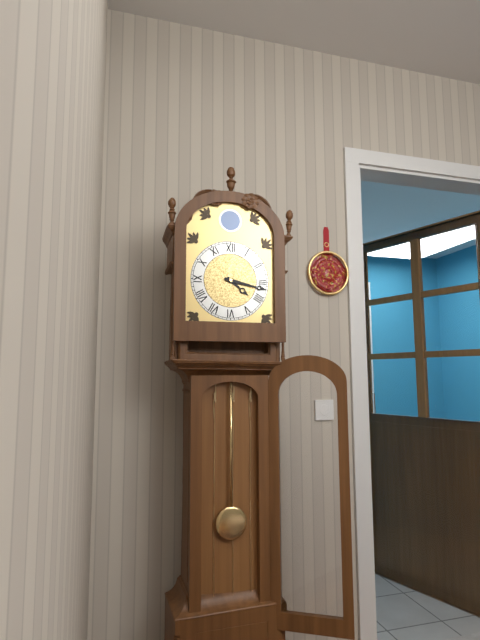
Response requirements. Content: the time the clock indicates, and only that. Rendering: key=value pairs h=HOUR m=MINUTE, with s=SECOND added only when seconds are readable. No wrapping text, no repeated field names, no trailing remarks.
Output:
h=4 m=17
